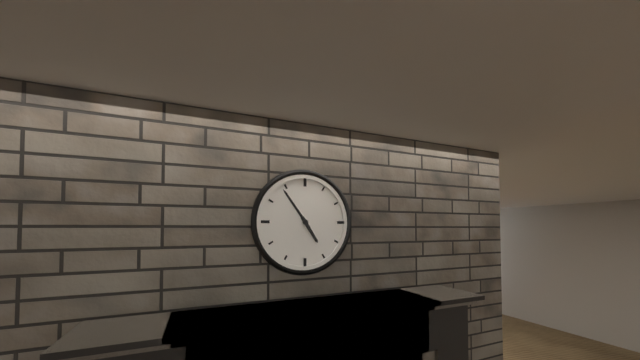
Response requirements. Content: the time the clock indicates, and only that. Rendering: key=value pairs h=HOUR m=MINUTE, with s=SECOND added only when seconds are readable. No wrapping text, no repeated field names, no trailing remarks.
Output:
h=4 m=54
